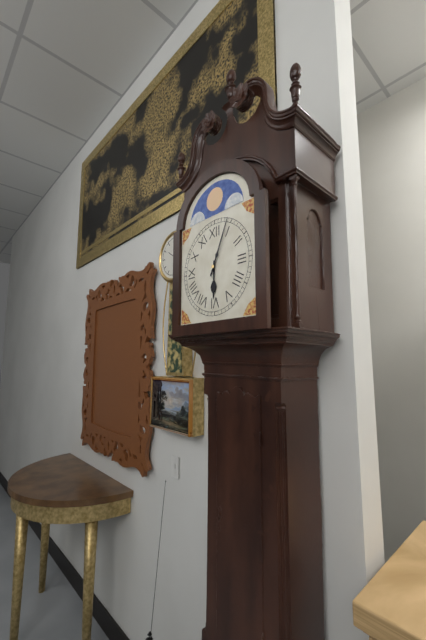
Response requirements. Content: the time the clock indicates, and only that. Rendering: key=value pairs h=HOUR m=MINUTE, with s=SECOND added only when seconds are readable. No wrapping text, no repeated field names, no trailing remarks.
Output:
h=6 m=4
